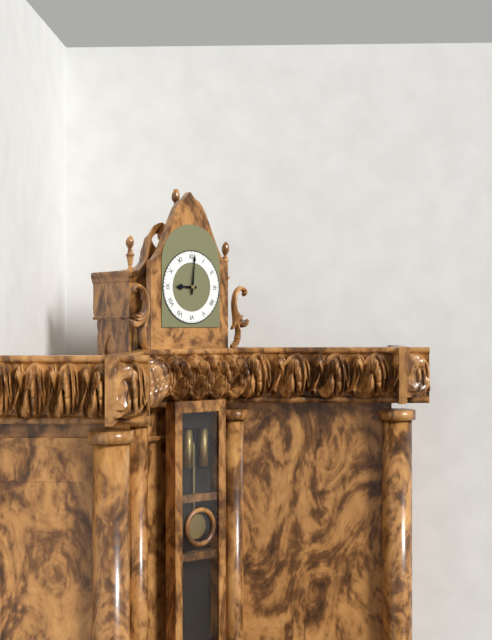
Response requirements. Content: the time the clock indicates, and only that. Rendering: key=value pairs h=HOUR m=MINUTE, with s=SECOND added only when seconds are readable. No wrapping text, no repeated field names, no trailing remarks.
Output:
h=9 m=1
